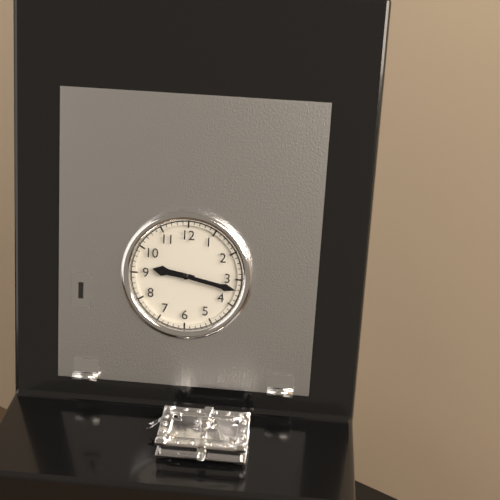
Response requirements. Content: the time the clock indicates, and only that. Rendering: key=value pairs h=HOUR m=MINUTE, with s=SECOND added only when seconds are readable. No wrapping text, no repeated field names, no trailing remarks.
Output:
h=9 m=17
